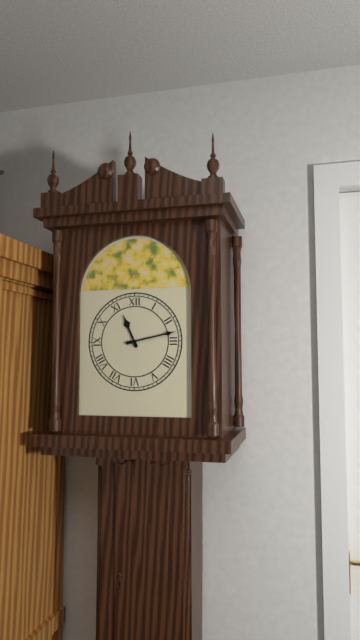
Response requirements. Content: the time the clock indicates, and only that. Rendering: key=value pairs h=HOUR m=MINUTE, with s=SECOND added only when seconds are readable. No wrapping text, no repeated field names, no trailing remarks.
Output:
h=11 m=13
